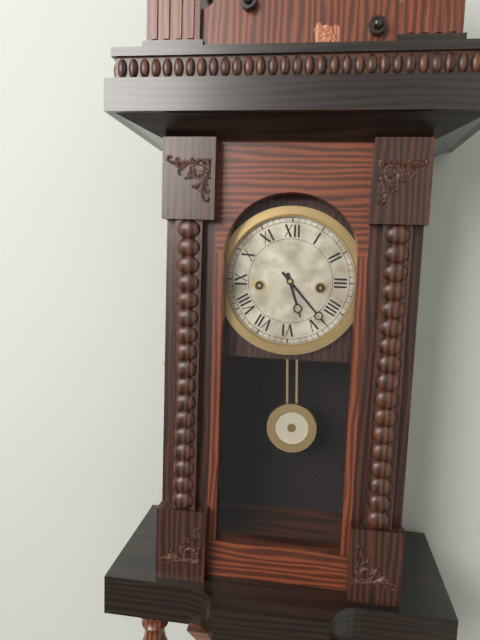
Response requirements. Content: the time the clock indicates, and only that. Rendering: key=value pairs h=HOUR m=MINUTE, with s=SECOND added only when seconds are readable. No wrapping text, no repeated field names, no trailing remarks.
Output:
h=5 m=23
